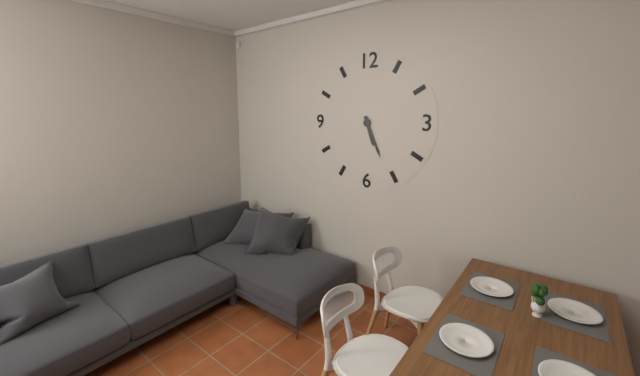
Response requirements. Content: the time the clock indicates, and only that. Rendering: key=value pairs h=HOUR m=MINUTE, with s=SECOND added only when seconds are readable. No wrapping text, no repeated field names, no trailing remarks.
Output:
h=5 m=26
